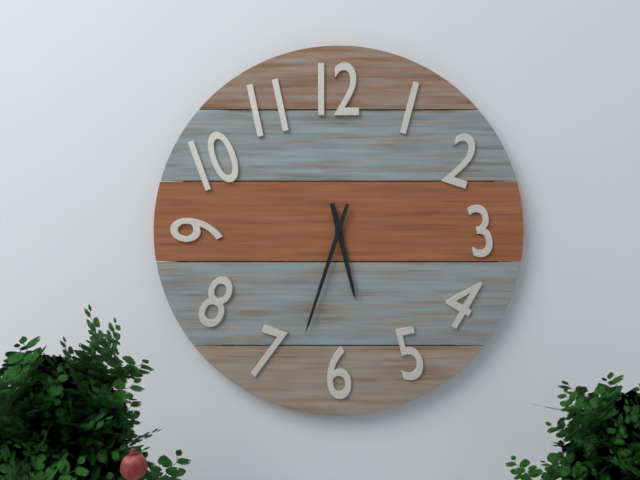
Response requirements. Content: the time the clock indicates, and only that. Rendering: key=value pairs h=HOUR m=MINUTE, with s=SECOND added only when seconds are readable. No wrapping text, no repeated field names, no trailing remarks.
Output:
h=5 m=33
